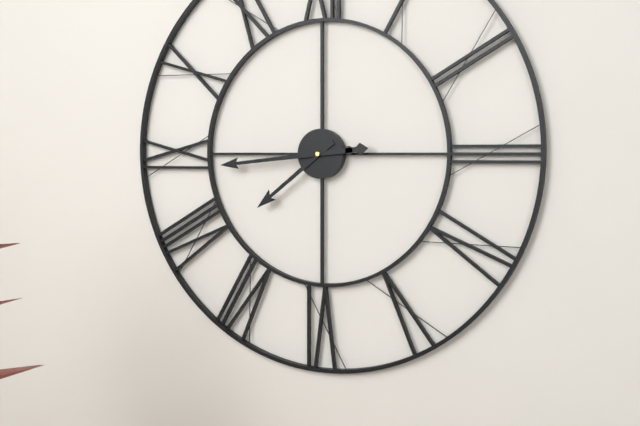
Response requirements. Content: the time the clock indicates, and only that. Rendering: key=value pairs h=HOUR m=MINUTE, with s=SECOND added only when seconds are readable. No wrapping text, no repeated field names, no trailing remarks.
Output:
h=7 m=44
